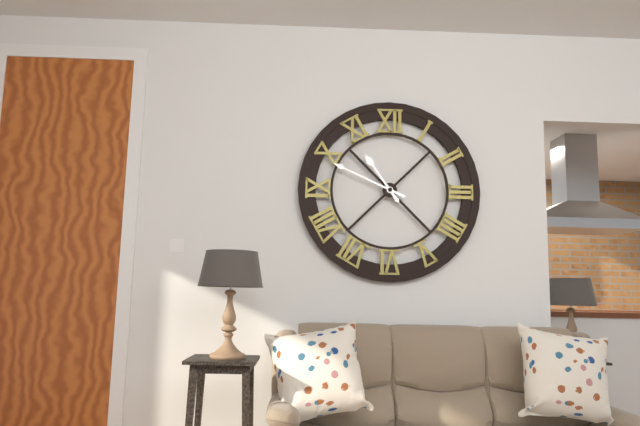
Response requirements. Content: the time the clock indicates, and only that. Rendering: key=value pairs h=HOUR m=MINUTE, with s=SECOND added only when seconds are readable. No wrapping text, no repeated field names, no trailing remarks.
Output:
h=10 m=49
